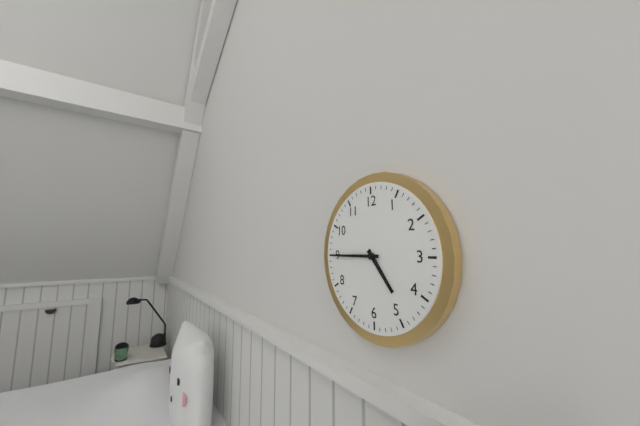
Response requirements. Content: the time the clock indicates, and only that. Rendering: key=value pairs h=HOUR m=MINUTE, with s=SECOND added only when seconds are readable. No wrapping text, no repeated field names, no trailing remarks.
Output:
h=4 m=45
